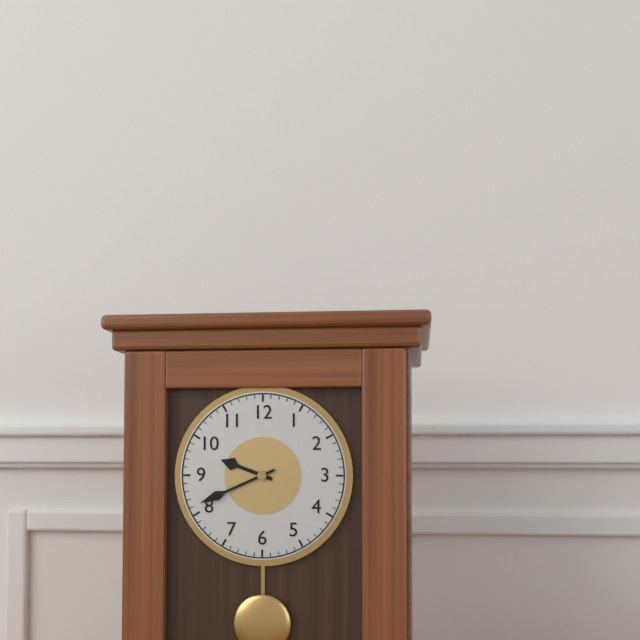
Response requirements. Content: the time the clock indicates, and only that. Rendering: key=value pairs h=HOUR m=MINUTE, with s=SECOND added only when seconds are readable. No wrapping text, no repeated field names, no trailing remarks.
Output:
h=9 m=41
